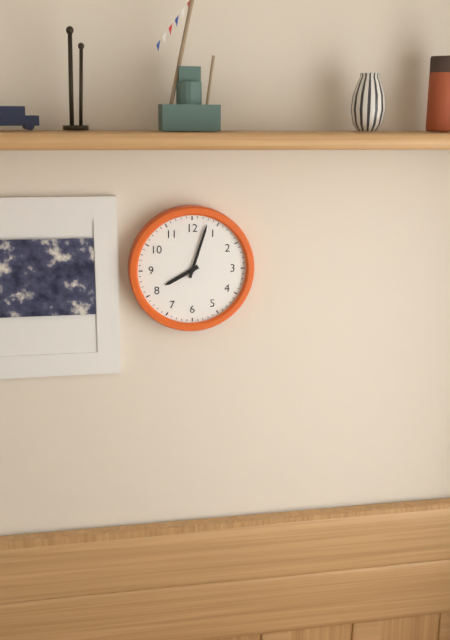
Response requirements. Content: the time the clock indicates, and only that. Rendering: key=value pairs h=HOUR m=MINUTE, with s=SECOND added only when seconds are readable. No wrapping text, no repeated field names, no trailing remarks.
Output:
h=8 m=3
